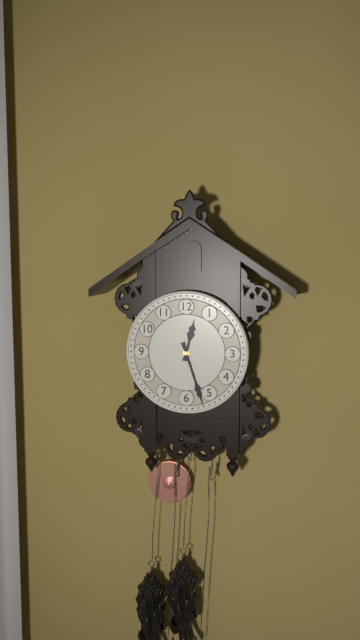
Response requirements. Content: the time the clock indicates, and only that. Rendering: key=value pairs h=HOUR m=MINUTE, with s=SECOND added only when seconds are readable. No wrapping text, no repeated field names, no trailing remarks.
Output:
h=12 m=27
